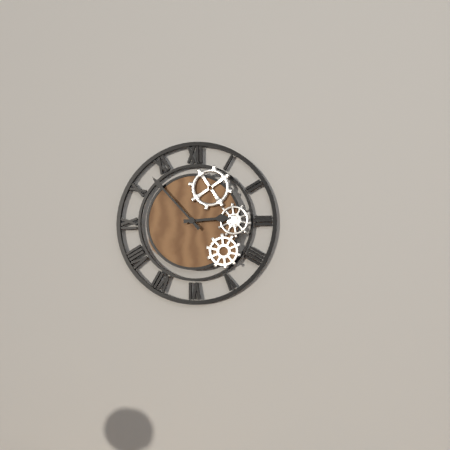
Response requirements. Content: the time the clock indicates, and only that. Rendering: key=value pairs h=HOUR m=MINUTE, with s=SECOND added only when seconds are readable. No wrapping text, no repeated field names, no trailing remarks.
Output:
h=2 m=53
